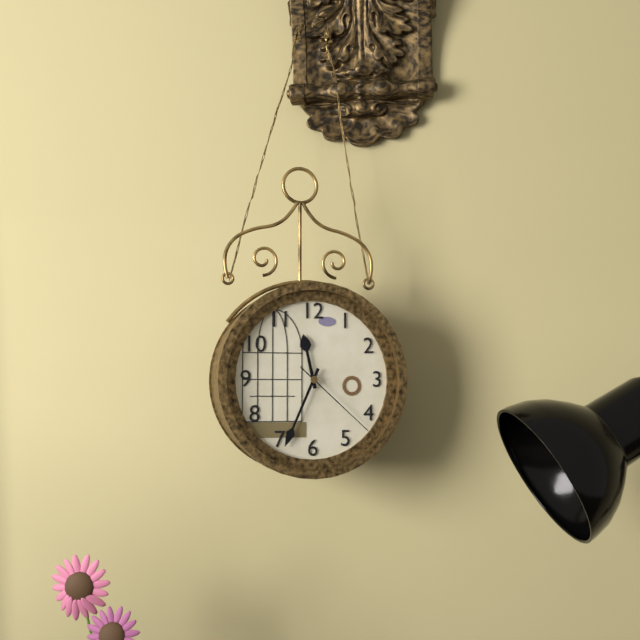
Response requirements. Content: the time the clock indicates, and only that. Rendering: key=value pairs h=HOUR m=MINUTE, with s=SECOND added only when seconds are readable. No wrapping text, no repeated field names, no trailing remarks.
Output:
h=11 m=34 s=22
